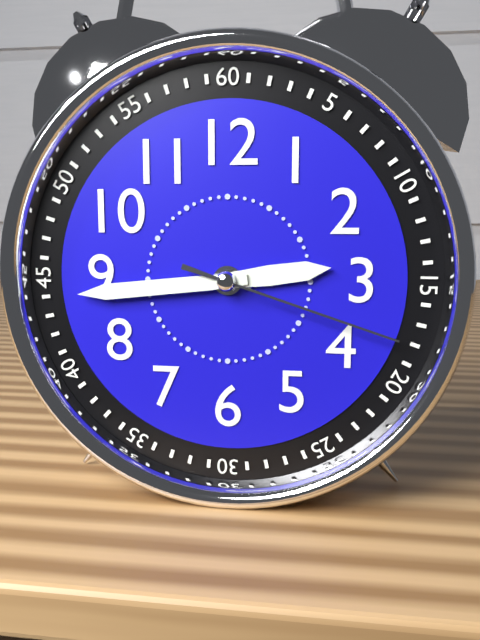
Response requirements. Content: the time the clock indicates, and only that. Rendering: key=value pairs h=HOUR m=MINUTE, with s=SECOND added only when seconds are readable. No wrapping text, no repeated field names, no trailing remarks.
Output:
h=2 m=44 s=18
